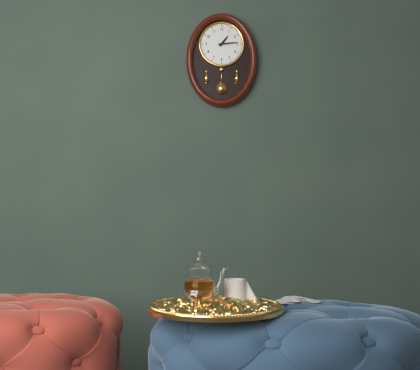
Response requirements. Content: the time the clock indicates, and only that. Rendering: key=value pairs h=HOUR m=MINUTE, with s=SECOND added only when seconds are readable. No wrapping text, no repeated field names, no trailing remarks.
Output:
h=1 m=14
